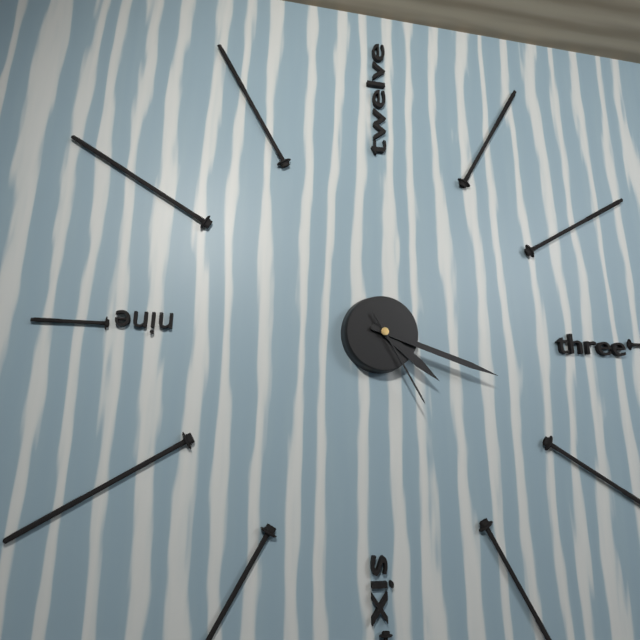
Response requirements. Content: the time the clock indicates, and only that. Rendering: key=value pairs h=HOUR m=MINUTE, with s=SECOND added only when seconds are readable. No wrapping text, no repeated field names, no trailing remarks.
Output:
h=4 m=18 s=25
